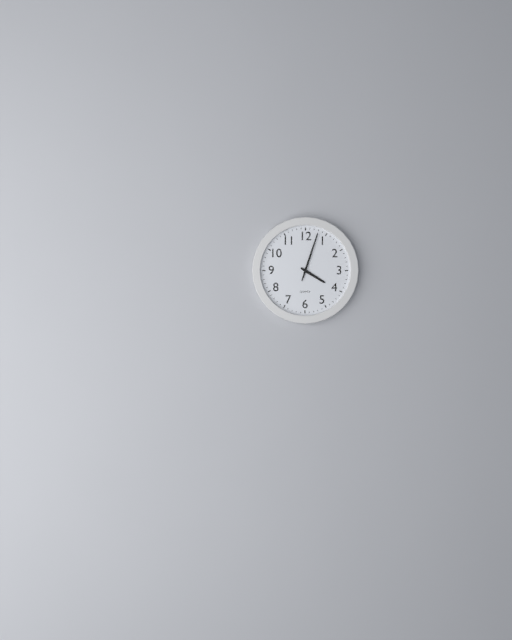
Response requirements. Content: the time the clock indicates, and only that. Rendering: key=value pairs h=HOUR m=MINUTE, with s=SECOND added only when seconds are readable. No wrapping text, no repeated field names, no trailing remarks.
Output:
h=4 m=3
